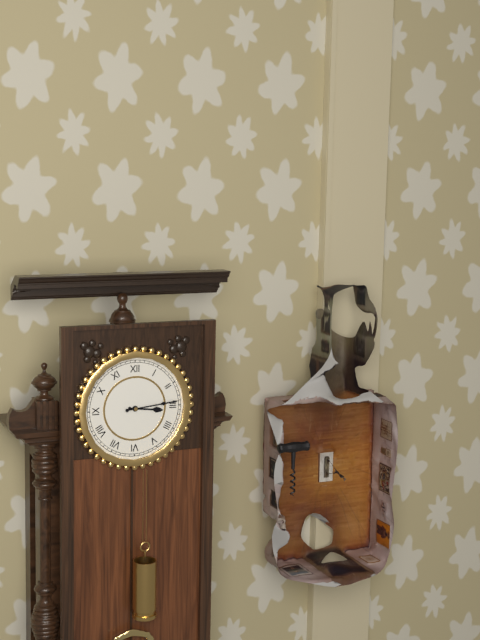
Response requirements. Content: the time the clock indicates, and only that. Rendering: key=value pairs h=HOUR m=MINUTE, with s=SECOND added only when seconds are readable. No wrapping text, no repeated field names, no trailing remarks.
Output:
h=3 m=14
